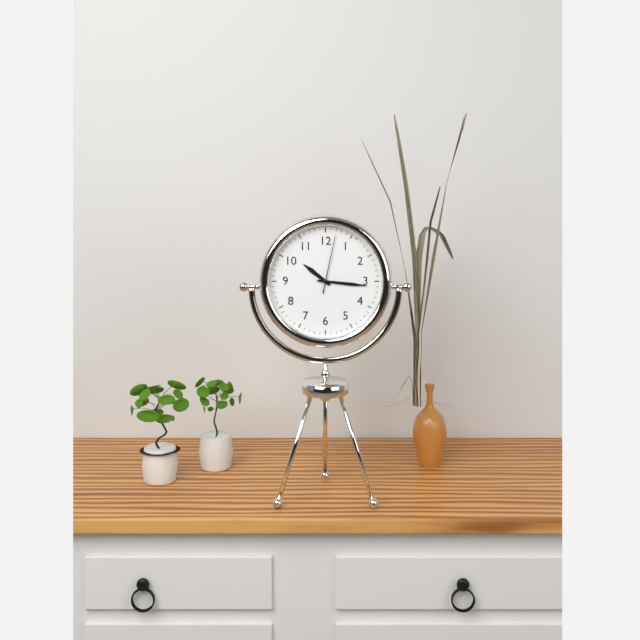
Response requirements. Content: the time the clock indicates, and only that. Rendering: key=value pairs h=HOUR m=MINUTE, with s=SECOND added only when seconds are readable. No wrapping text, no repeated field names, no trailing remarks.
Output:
h=10 m=16 s=2
